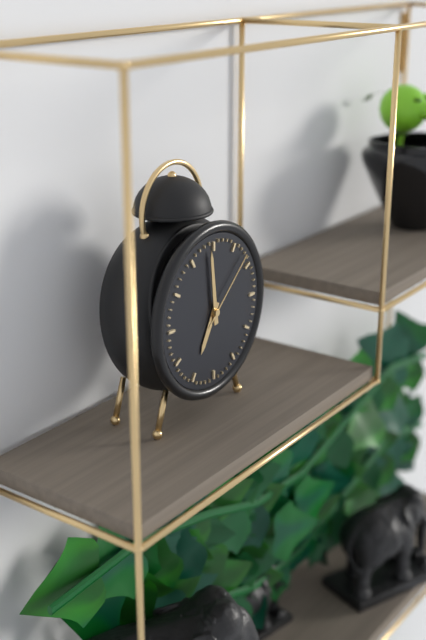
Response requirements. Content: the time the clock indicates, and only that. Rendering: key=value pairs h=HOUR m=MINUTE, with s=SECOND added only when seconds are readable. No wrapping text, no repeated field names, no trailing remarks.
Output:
h=6 m=59 s=8
